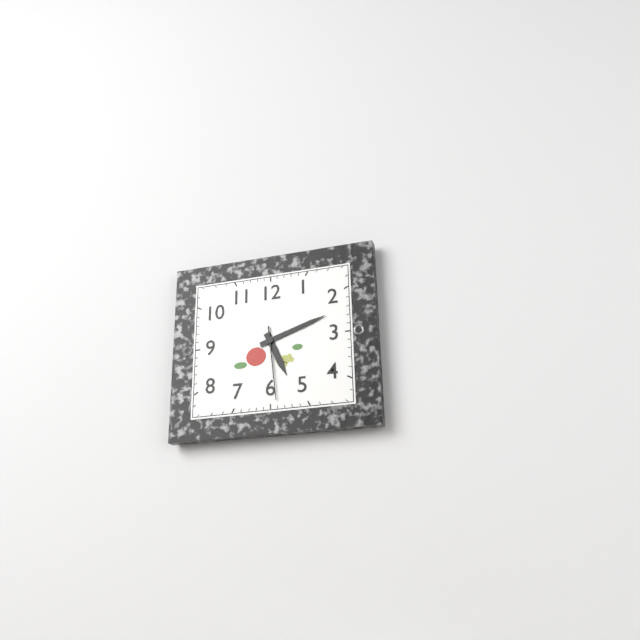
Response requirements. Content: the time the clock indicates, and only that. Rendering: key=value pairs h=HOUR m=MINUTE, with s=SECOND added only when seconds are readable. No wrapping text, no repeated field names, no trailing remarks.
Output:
h=5 m=12 s=29
